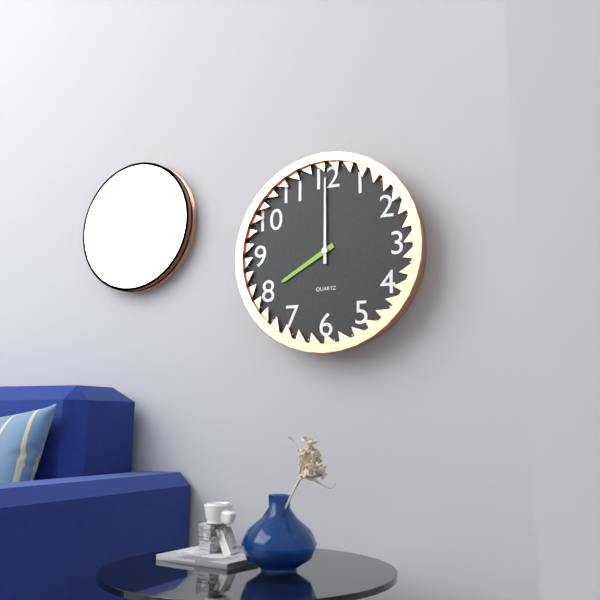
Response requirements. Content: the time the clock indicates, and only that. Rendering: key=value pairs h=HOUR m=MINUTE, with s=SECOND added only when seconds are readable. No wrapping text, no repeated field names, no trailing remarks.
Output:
h=8 m=0
